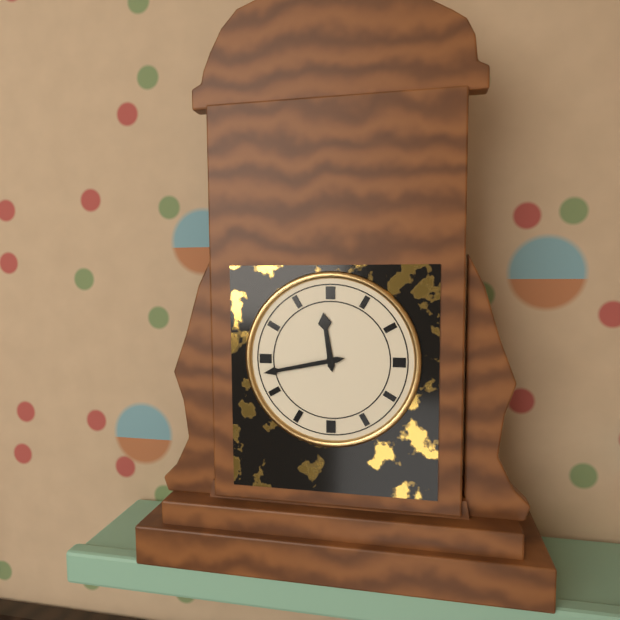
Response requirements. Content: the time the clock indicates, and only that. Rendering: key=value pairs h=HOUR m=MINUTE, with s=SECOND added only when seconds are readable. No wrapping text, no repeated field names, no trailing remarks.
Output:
h=11 m=43
